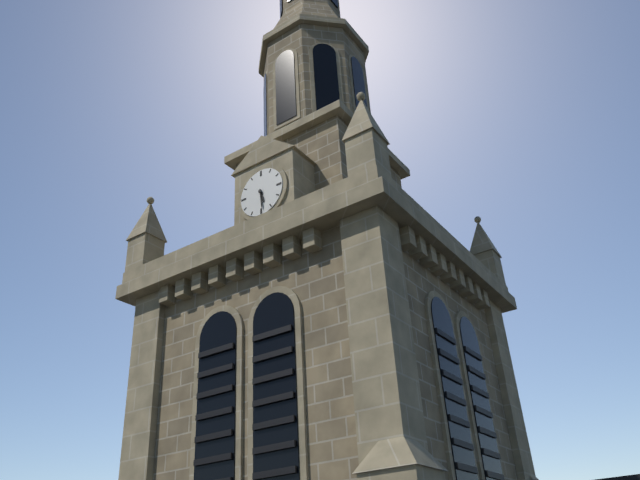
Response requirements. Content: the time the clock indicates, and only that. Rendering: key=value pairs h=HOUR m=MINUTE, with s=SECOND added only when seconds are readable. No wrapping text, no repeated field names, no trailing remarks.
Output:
h=5 m=29
